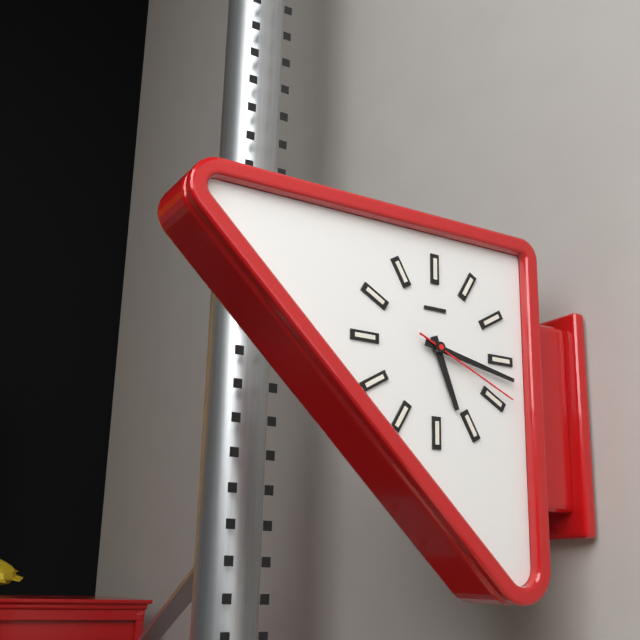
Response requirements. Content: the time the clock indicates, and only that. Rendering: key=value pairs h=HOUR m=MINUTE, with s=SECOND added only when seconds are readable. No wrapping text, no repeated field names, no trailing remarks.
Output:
h=5 m=17 s=19
